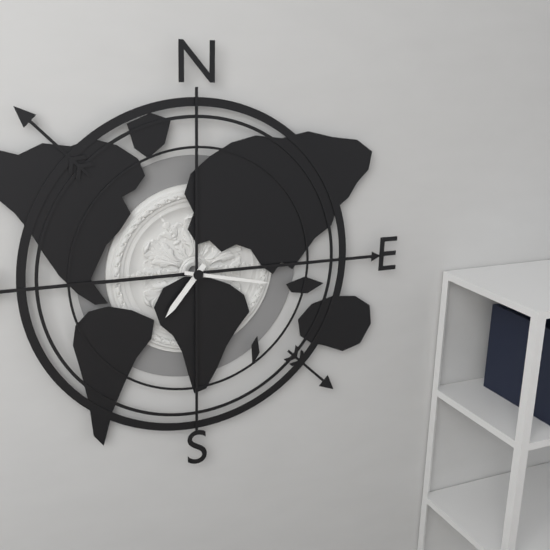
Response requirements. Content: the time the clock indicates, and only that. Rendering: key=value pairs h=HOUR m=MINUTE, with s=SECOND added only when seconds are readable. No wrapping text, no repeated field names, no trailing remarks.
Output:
h=7 m=17
